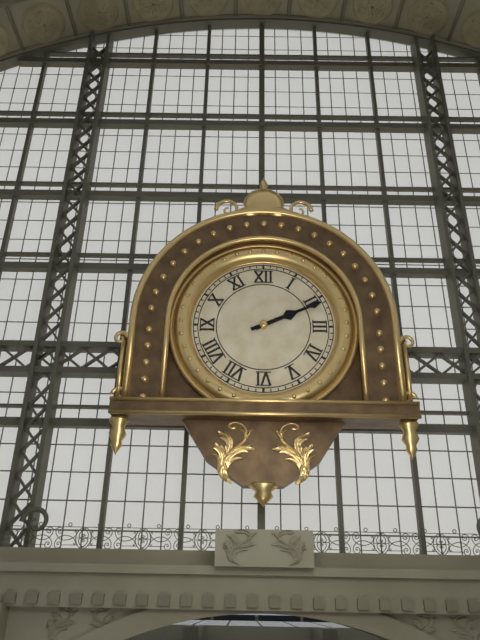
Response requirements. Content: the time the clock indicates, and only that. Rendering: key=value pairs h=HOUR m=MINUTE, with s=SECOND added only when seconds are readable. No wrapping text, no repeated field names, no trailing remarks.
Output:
h=2 m=11
